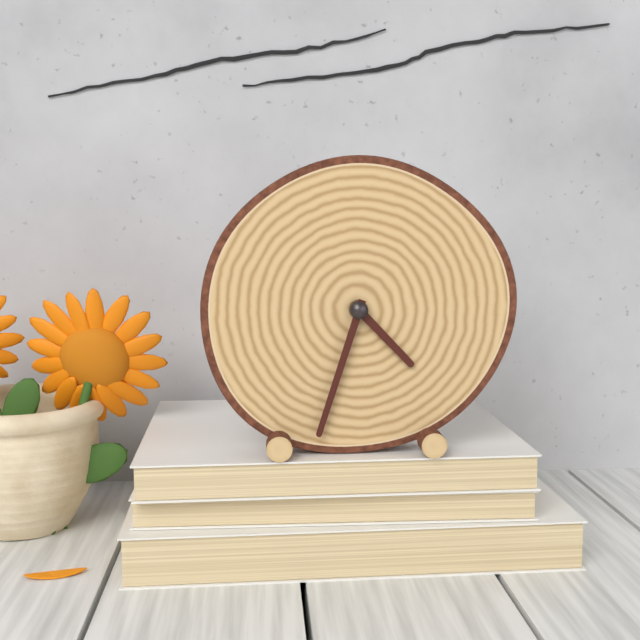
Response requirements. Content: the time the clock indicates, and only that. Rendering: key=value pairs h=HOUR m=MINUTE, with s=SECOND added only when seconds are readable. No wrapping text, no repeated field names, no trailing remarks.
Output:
h=4 m=33
